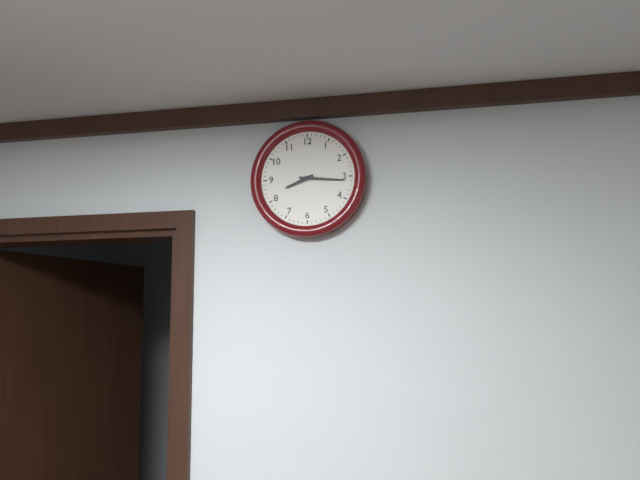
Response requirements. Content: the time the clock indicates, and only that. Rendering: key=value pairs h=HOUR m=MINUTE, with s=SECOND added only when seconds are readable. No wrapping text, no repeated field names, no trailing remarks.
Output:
h=8 m=16
